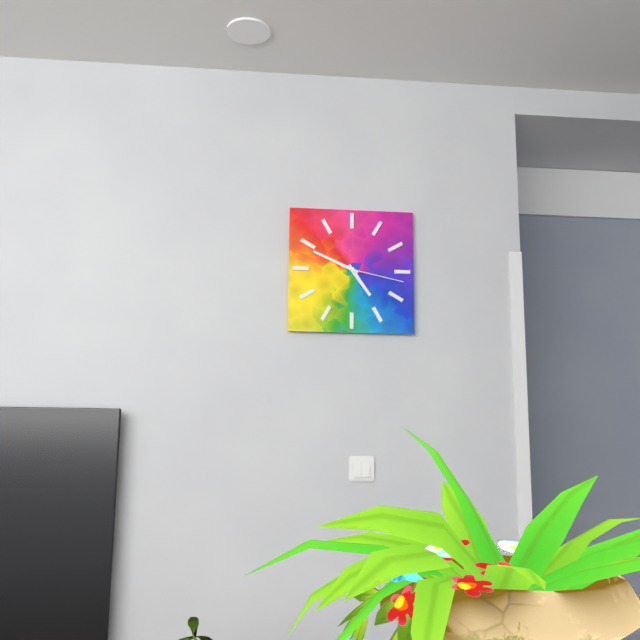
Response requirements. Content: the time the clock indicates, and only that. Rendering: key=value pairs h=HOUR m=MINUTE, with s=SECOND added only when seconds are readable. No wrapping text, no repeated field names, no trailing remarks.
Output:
h=4 m=49 s=17
